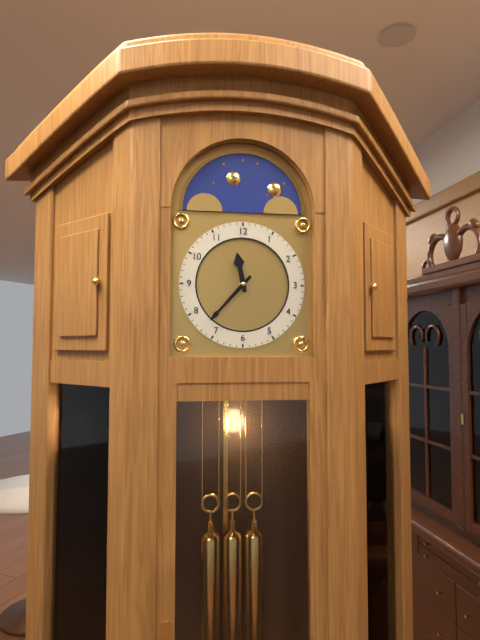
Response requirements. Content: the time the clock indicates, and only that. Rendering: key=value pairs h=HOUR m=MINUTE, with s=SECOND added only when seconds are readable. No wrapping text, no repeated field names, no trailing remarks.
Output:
h=11 m=37
